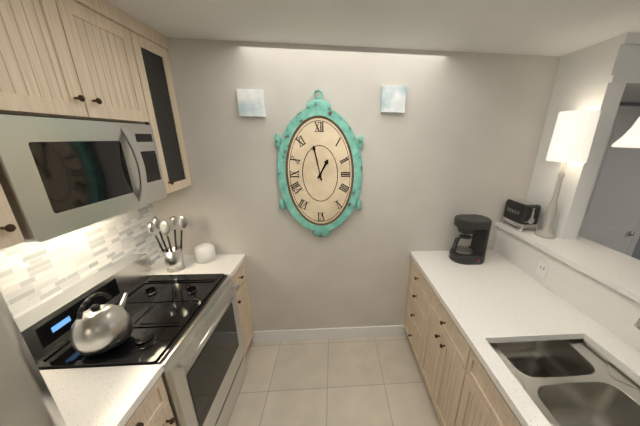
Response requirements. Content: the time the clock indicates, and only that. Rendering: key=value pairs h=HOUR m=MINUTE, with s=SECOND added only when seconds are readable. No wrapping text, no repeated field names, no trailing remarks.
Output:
h=12 m=58
